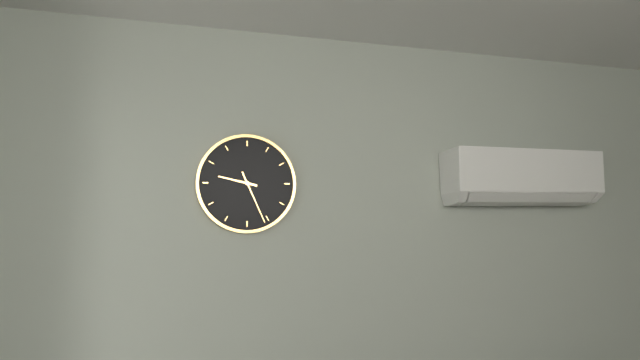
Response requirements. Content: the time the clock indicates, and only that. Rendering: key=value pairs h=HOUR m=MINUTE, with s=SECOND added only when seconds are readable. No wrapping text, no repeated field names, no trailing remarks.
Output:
h=9 m=26
